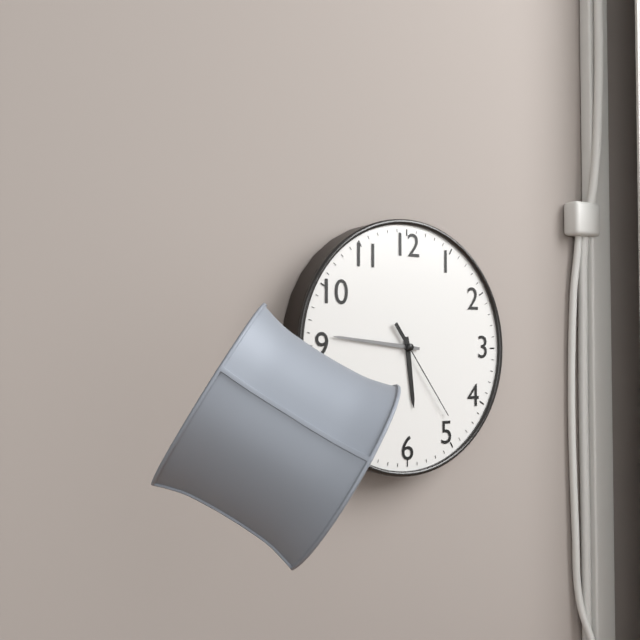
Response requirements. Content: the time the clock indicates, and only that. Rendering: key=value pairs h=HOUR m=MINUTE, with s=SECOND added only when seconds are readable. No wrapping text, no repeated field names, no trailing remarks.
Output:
h=5 m=46 s=24
